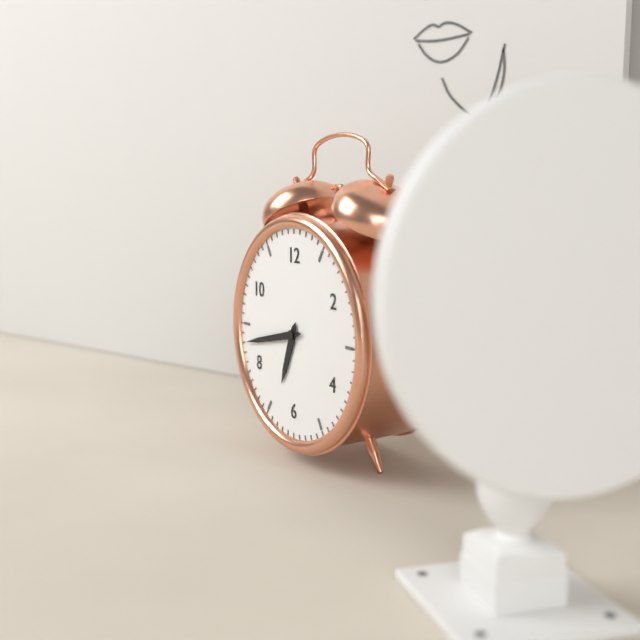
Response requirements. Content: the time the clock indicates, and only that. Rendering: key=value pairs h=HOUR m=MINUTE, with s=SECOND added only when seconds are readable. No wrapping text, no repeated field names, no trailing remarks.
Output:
h=6 m=43
